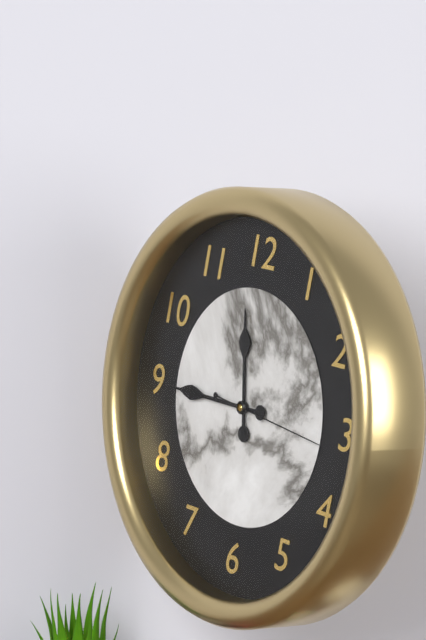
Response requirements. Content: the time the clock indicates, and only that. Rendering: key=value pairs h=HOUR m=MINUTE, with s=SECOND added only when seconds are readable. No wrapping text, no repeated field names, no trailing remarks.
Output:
h=11 m=45 s=16
